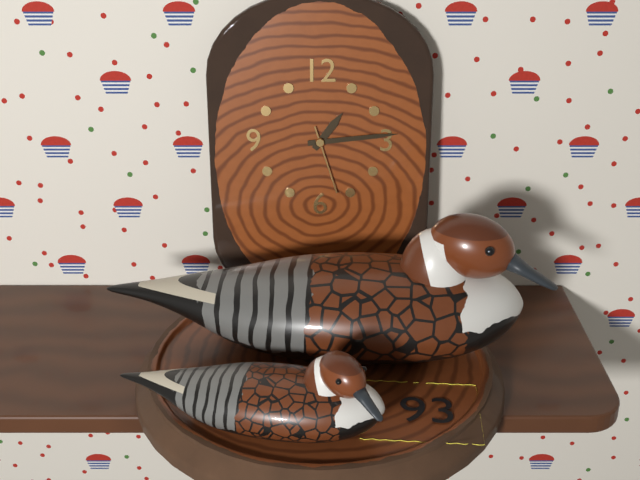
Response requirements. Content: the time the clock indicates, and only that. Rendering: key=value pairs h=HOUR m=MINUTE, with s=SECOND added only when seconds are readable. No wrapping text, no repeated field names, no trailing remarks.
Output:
h=1 m=14 s=27
